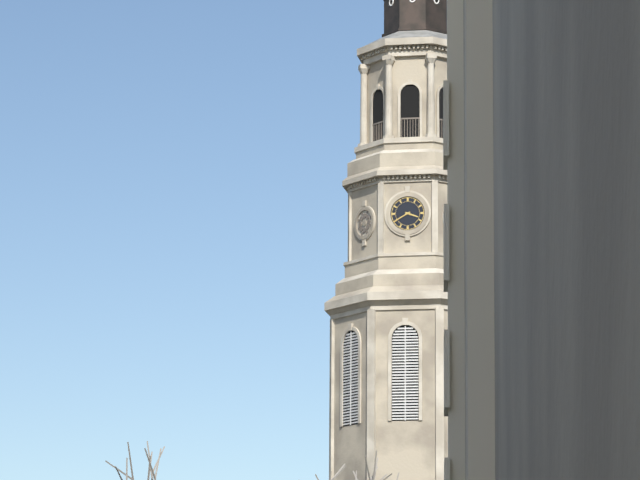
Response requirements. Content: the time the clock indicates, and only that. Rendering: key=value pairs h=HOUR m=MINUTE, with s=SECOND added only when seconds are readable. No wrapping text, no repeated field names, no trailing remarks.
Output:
h=3 m=40
